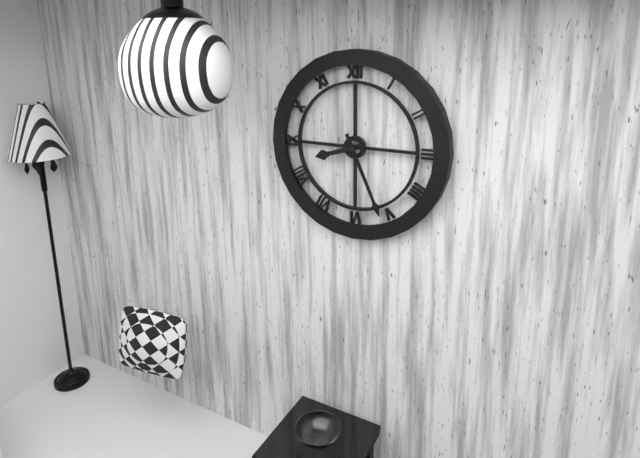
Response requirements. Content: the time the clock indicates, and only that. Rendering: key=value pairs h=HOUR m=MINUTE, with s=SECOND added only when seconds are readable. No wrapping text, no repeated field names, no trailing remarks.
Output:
h=8 m=26
